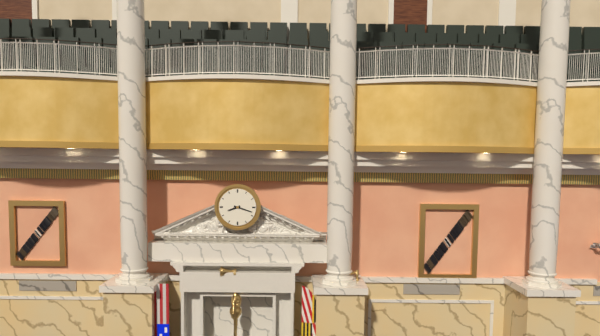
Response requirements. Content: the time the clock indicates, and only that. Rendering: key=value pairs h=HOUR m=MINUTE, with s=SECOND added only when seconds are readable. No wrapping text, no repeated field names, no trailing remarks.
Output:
h=8 m=18
